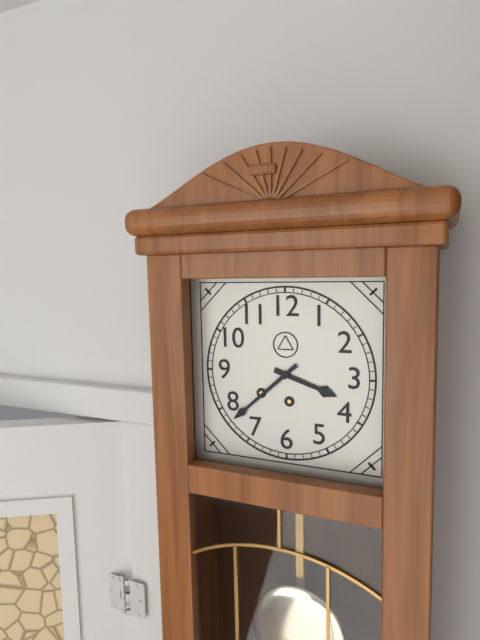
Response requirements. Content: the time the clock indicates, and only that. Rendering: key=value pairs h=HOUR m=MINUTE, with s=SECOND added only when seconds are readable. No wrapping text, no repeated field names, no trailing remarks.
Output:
h=3 m=38
